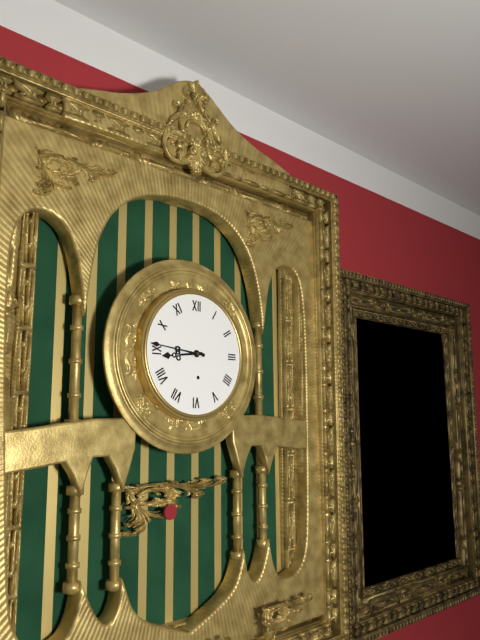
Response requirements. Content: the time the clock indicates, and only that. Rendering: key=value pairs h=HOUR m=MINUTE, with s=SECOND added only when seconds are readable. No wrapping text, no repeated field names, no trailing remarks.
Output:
h=8 m=46
